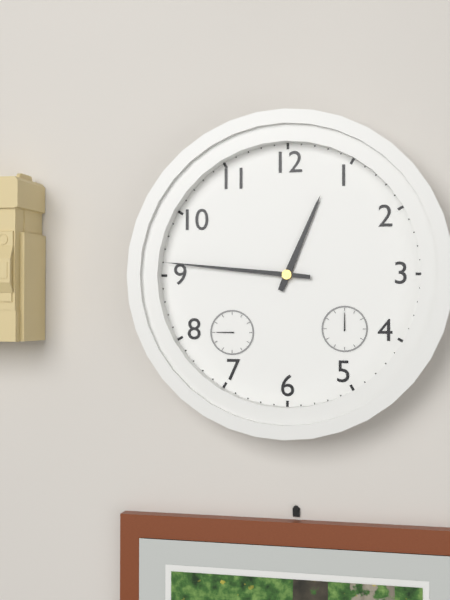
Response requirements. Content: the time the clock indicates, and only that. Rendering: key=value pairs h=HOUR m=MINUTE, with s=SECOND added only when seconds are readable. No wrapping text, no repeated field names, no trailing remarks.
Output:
h=12 m=46
